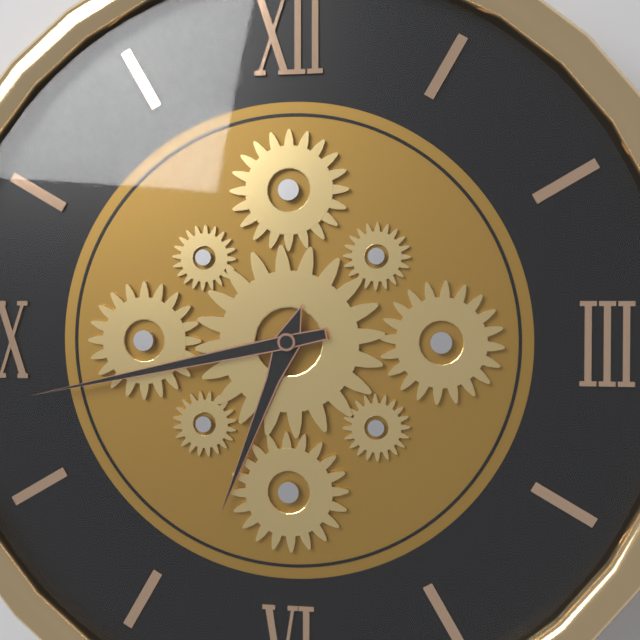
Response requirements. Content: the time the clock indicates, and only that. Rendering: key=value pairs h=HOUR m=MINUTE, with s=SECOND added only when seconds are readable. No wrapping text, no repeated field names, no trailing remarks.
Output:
h=6 m=43
